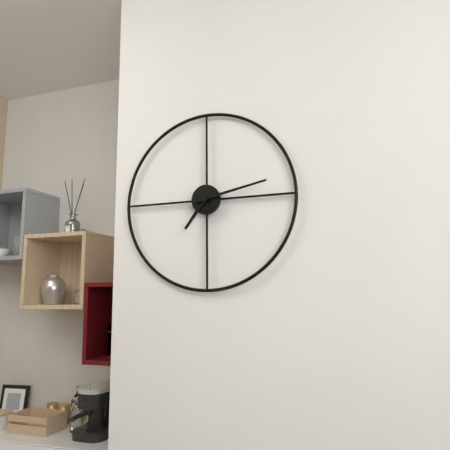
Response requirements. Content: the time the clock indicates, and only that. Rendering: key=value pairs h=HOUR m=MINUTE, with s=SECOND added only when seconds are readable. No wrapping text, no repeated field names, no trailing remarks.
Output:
h=7 m=13
